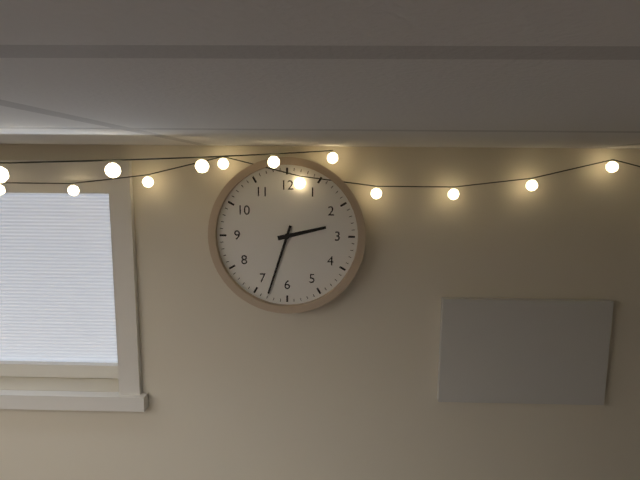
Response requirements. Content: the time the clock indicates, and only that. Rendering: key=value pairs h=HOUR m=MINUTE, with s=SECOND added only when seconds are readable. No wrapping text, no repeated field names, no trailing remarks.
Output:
h=2 m=33
